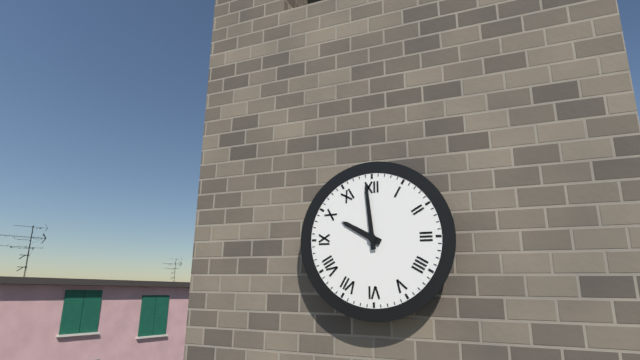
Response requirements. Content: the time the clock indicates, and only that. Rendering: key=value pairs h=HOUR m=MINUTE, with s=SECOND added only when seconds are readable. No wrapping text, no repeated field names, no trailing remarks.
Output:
h=9 m=59
